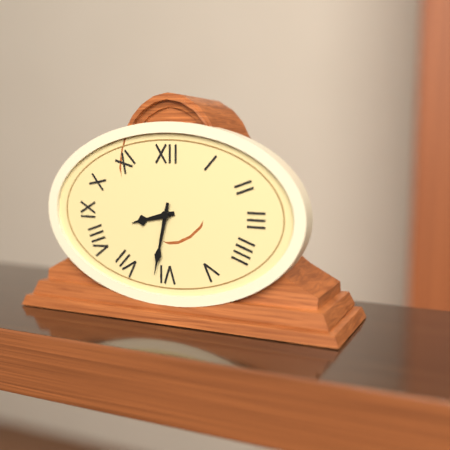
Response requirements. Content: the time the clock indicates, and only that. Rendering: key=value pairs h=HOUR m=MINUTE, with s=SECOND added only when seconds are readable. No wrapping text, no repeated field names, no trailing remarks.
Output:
h=8 m=32
